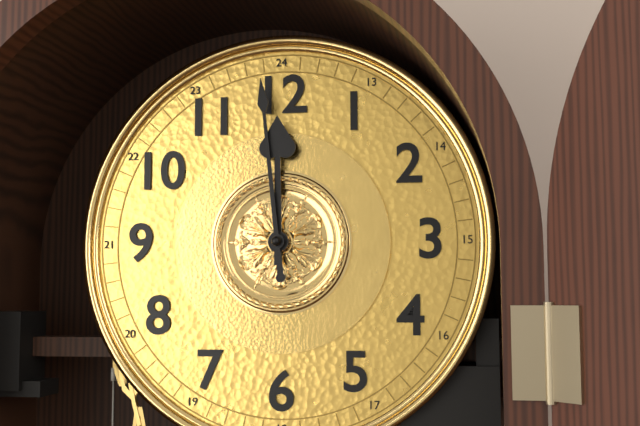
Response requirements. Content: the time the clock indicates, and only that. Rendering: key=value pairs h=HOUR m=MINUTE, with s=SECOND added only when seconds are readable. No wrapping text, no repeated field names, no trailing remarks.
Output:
h=11 m=59
